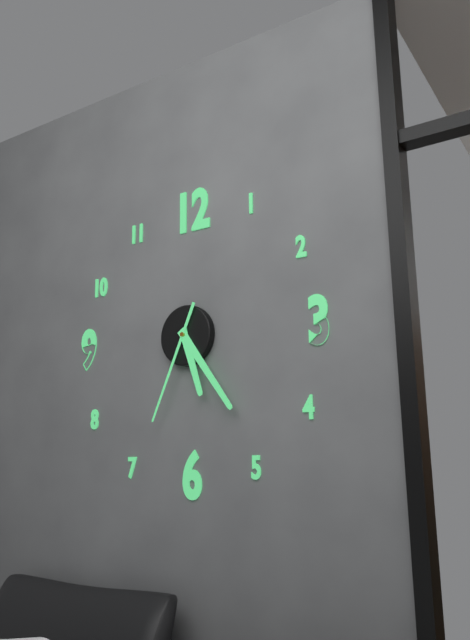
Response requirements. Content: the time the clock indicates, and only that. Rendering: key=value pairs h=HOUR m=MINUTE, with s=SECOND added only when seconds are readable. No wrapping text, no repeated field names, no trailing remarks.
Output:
h=5 m=24 s=34
